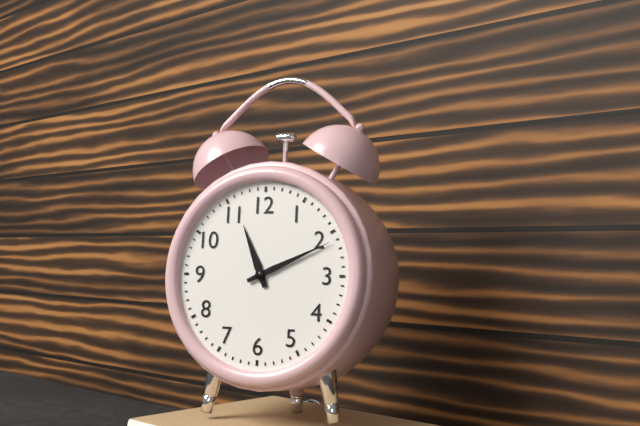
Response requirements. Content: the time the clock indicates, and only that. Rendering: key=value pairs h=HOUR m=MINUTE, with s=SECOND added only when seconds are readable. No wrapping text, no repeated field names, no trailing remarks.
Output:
h=11 m=11
